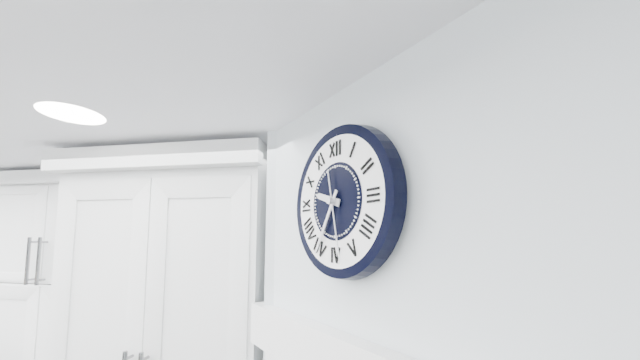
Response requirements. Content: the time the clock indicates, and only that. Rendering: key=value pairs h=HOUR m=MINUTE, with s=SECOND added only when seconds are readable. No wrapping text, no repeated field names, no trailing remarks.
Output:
h=9 m=35 s=28
